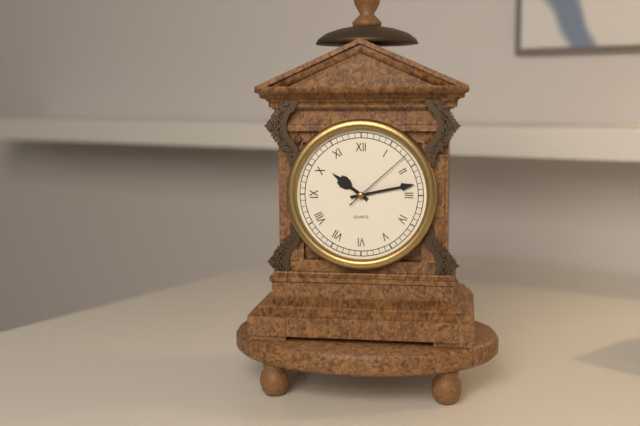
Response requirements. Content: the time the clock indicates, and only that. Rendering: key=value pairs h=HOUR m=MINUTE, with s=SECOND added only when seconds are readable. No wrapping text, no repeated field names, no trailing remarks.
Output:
h=10 m=13 s=8
